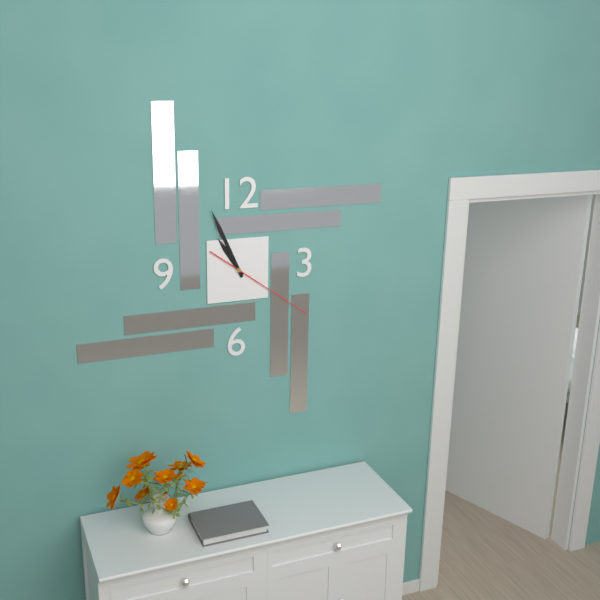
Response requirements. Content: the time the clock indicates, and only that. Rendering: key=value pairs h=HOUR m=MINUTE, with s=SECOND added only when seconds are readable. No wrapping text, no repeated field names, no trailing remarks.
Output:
h=10 m=56 s=21
